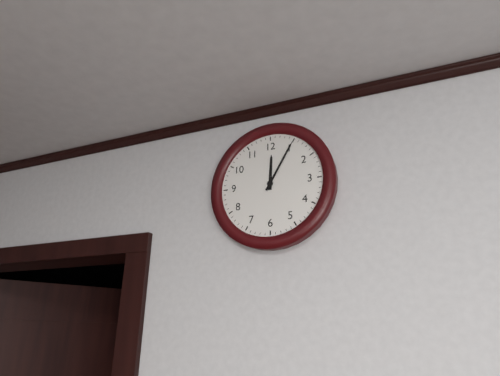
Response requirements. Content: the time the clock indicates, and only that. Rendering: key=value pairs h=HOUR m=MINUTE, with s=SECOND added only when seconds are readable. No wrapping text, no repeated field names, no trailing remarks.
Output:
h=12 m=5
